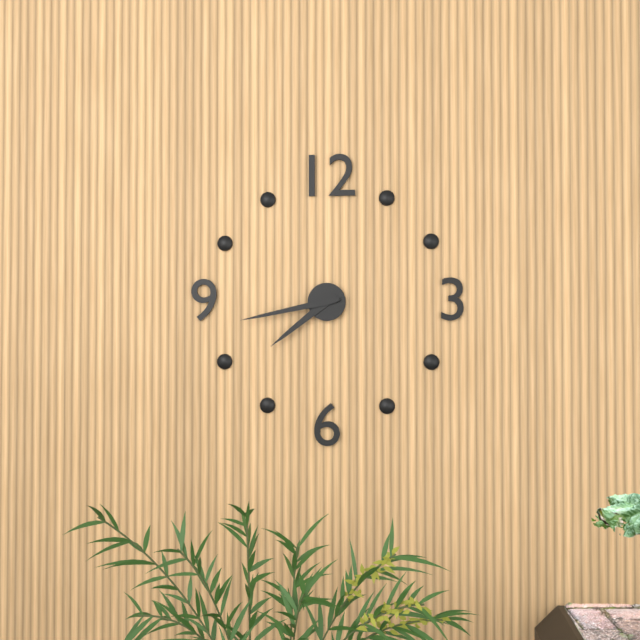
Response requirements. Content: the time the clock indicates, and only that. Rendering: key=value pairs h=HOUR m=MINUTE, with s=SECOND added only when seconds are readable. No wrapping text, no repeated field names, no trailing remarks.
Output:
h=7 m=43
